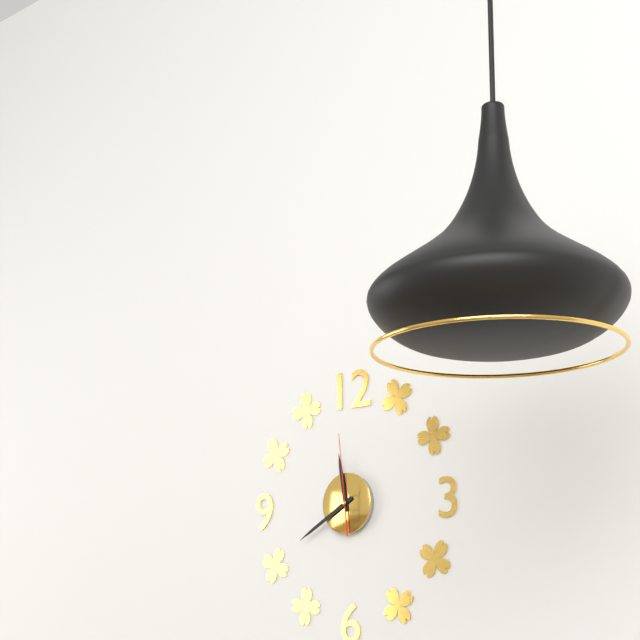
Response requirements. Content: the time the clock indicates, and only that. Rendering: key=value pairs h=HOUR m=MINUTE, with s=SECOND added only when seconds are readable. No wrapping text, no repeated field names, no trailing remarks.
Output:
h=11 m=40 s=59
